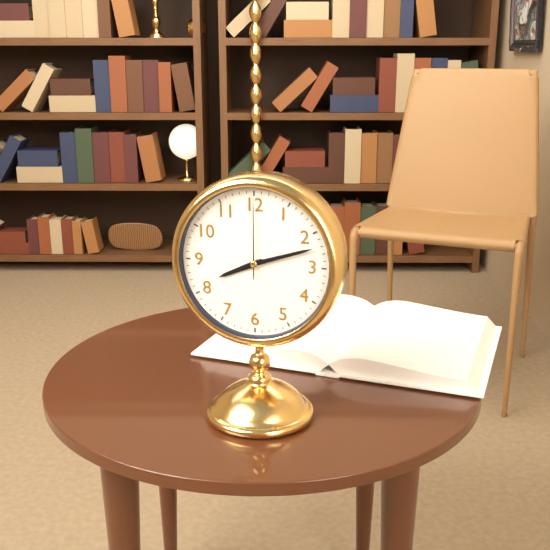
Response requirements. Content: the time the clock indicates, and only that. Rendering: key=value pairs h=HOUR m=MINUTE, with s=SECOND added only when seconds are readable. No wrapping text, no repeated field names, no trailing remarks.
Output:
h=8 m=12 s=0
